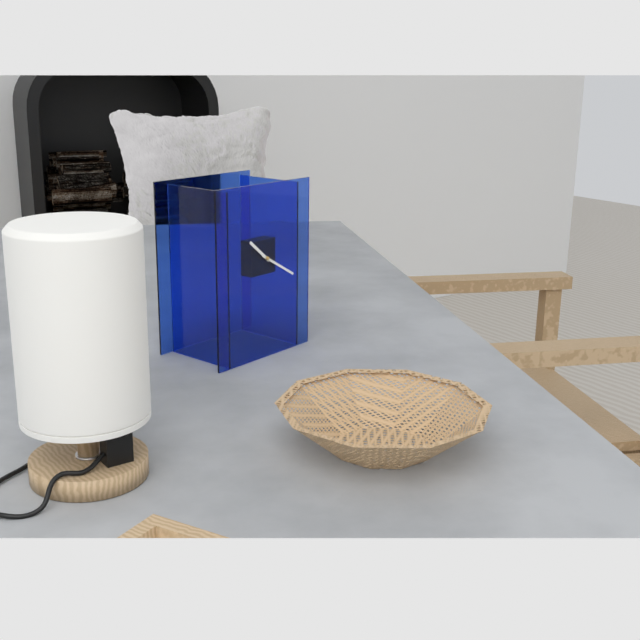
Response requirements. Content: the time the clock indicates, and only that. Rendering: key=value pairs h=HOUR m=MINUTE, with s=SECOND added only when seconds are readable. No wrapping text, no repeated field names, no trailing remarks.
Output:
h=10 m=20
